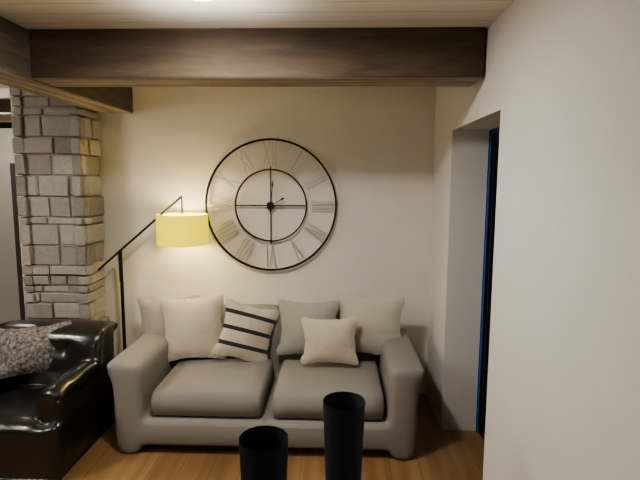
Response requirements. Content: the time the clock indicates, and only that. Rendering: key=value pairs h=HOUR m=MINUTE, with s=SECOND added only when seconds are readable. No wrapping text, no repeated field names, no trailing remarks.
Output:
h=2 m=1
